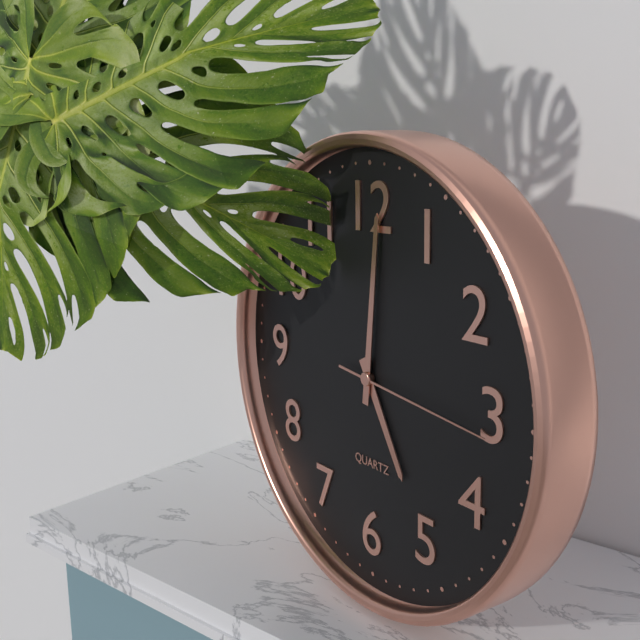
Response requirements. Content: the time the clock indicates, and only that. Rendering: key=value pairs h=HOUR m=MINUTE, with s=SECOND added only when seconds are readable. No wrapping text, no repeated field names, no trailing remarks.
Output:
h=5 m=1 s=16
